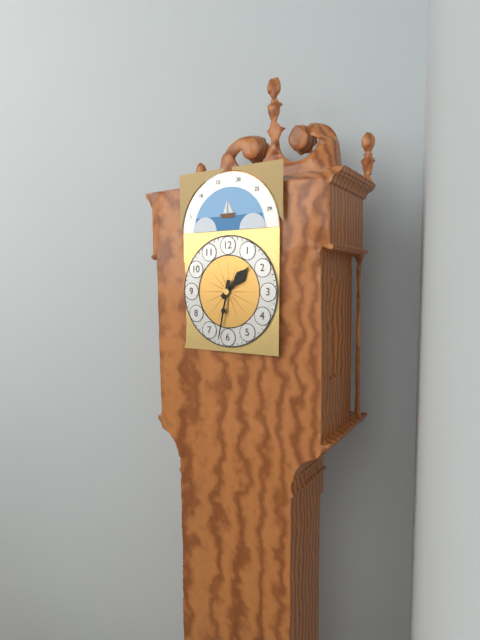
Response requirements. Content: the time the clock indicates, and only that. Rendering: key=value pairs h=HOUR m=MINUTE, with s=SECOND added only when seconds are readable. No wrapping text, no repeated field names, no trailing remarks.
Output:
h=1 m=32
